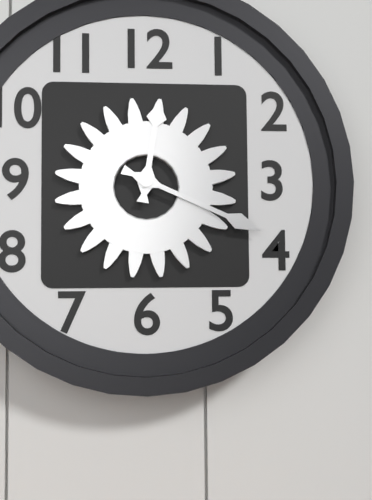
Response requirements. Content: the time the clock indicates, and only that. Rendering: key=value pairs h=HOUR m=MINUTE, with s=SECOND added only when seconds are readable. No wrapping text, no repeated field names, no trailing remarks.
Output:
h=12 m=19
